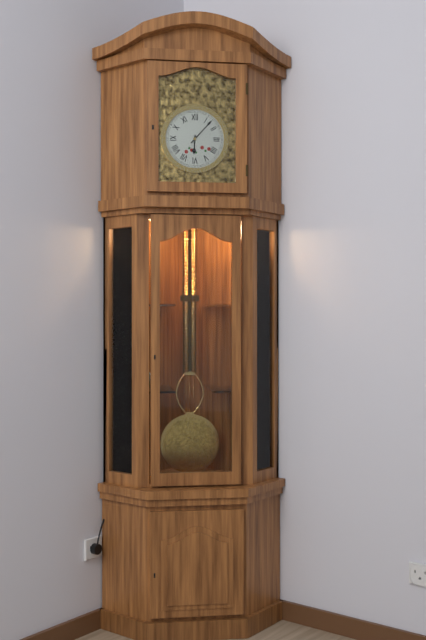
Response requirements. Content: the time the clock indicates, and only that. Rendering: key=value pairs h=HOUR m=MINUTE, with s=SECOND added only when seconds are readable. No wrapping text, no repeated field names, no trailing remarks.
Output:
h=6 m=7
